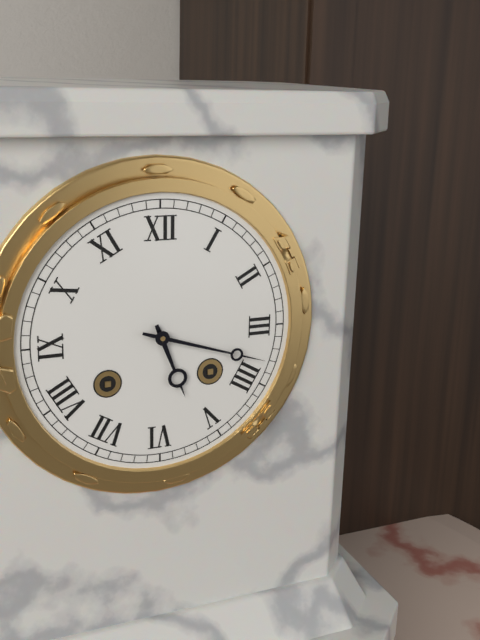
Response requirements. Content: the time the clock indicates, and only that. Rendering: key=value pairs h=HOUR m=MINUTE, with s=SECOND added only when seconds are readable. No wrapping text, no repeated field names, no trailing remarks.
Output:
h=5 m=18
